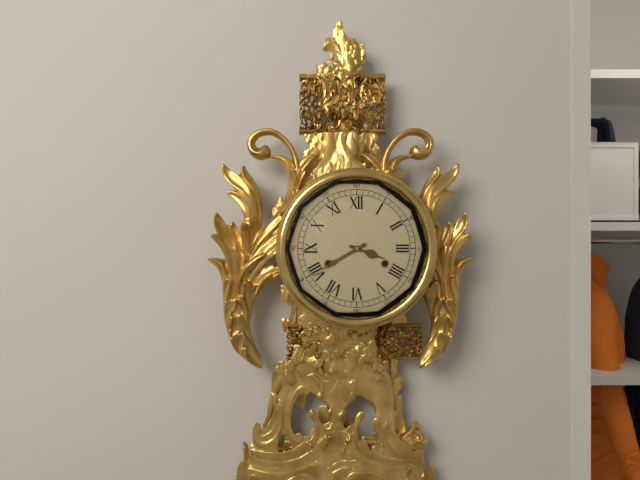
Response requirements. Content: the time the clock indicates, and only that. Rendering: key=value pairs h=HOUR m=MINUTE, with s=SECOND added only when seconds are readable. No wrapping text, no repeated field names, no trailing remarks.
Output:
h=3 m=40
